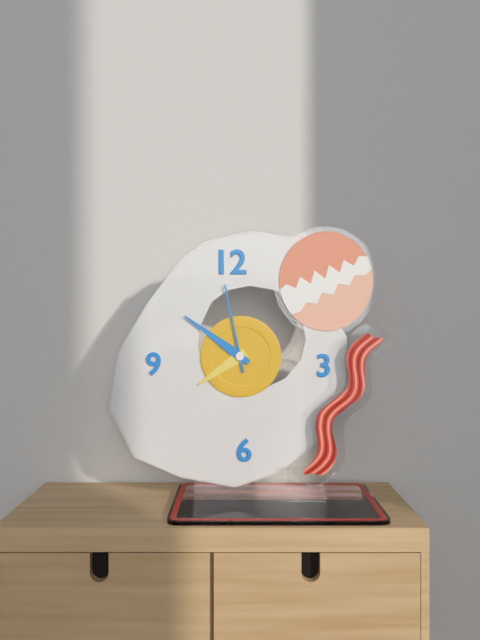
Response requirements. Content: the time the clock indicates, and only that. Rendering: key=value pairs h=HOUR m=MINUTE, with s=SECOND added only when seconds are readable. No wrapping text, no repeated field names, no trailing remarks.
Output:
h=7 m=51 s=58
